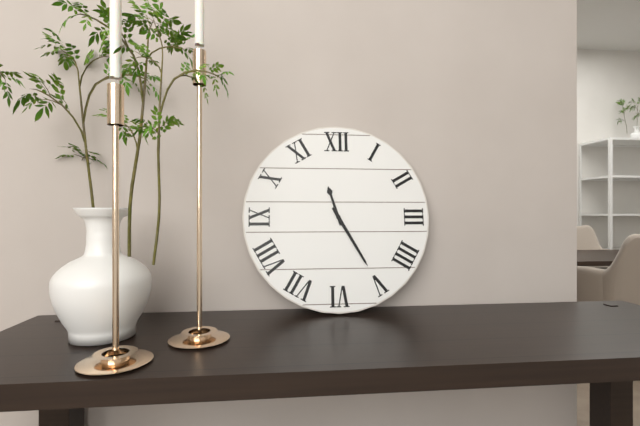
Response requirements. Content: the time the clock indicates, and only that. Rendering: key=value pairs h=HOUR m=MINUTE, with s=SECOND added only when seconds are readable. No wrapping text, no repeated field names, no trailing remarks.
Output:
h=11 m=25
